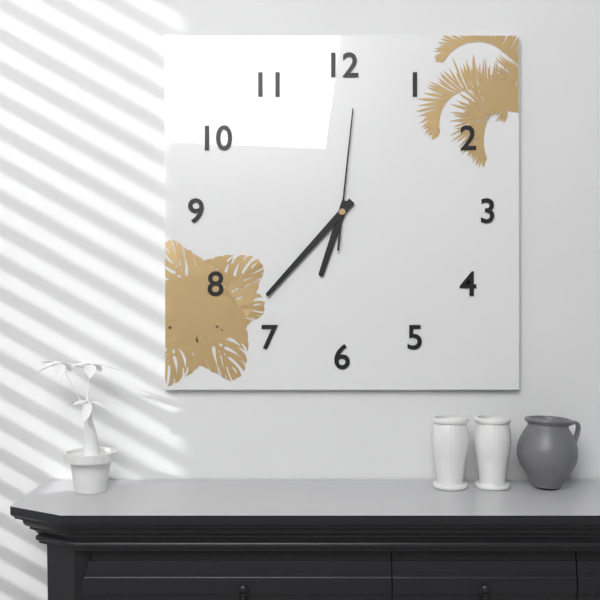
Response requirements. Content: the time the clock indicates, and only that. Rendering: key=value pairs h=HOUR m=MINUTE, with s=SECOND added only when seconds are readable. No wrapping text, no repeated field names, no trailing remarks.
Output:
h=6 m=37 s=1
